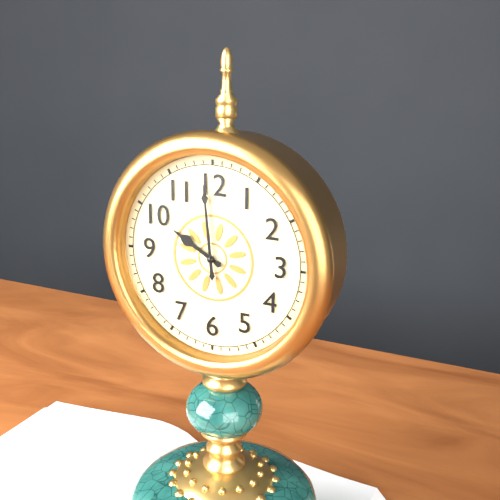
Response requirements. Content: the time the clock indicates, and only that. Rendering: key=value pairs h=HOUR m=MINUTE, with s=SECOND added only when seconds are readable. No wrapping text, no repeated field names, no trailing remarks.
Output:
h=9 m=59
